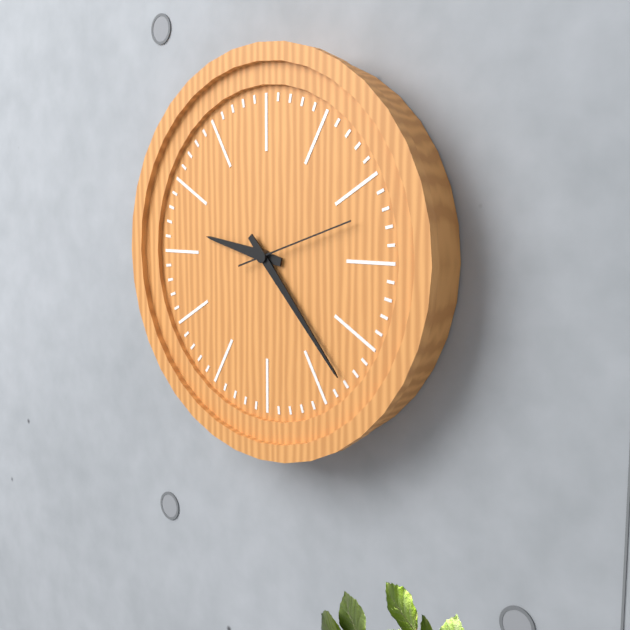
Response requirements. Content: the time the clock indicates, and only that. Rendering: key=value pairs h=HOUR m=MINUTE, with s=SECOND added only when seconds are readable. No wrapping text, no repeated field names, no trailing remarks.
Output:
h=9 m=23 s=12
